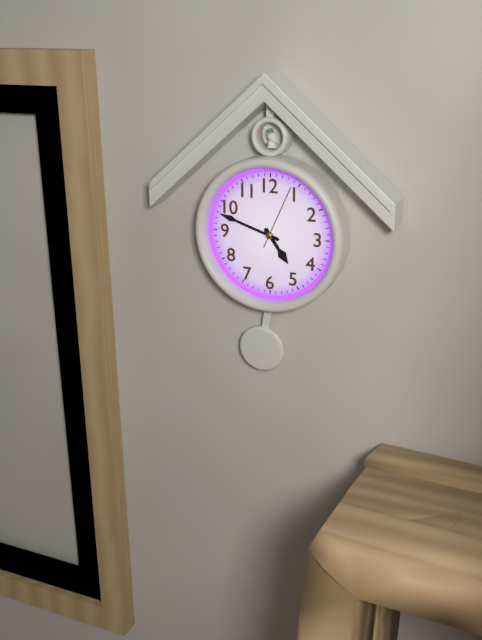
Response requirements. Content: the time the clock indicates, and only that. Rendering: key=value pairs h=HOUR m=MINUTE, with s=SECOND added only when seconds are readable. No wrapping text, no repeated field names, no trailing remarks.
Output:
h=4 m=48 s=4
